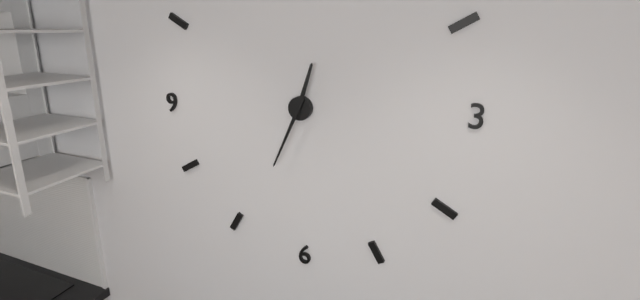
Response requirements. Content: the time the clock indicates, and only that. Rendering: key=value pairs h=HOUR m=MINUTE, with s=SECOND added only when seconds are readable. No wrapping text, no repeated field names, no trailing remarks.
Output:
h=12 m=34
